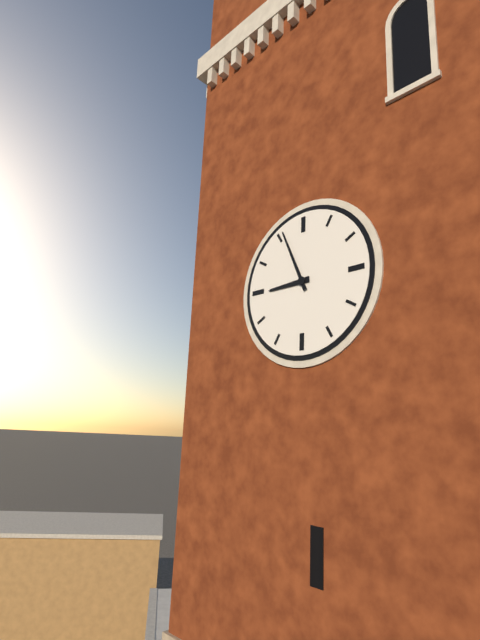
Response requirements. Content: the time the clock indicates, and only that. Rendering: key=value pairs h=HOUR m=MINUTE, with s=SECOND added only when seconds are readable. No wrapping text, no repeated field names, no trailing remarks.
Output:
h=8 m=56
